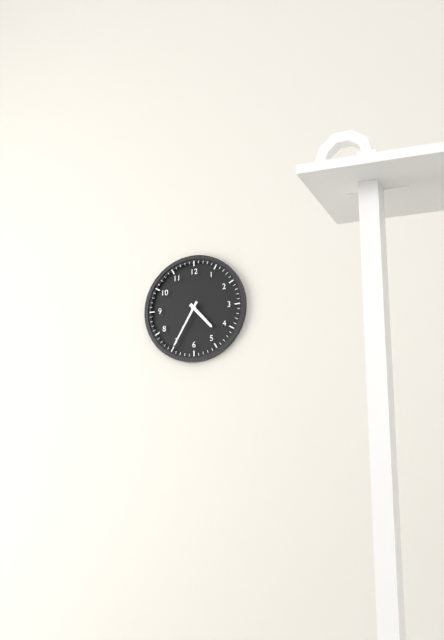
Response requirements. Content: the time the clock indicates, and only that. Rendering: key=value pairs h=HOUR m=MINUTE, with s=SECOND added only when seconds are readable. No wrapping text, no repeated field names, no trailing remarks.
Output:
h=4 m=35
